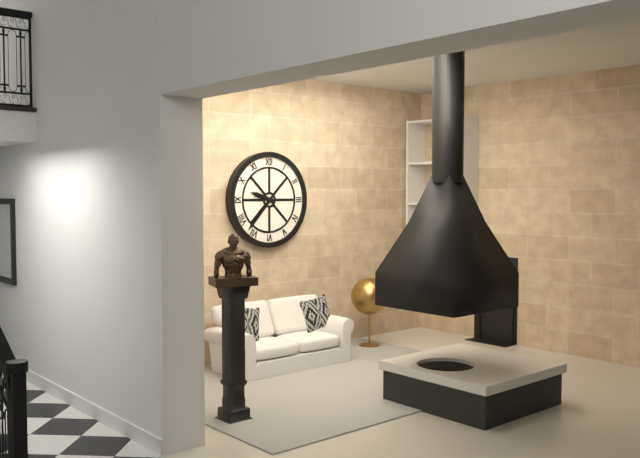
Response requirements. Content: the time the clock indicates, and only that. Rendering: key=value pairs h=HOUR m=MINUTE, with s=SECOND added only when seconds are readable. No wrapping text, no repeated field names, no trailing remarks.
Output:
h=9 m=37
